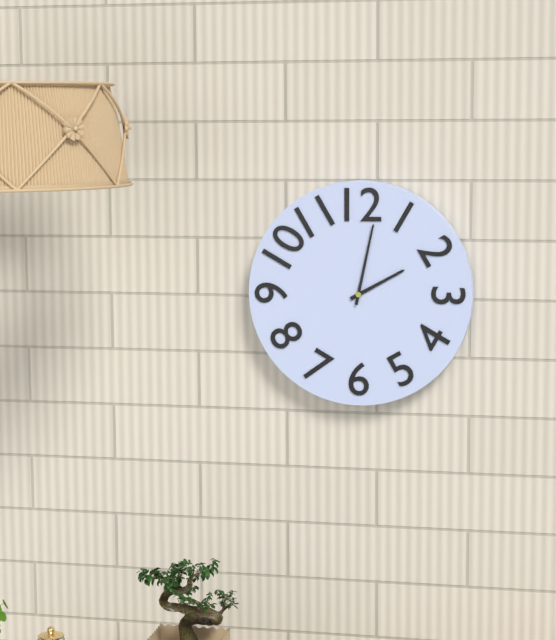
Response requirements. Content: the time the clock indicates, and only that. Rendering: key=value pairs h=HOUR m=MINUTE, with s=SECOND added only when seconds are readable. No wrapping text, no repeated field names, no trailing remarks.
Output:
h=2 m=2
